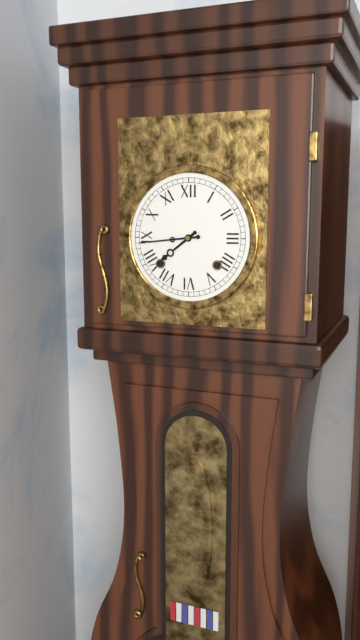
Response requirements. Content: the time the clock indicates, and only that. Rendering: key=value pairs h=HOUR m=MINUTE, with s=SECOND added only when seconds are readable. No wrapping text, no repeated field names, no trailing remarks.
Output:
h=7 m=44
